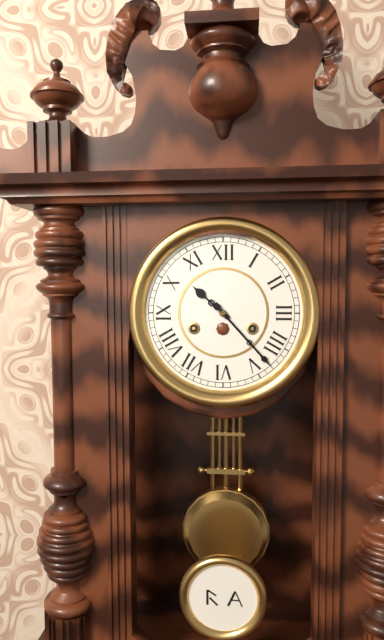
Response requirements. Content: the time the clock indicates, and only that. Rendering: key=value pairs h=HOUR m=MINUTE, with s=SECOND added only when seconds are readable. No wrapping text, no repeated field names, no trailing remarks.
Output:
h=10 m=23
